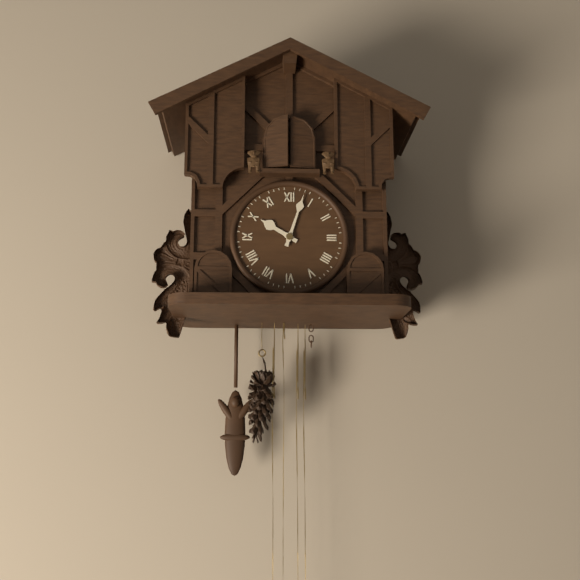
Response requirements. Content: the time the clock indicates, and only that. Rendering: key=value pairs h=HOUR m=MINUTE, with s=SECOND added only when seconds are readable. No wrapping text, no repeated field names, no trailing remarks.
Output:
h=10 m=3
